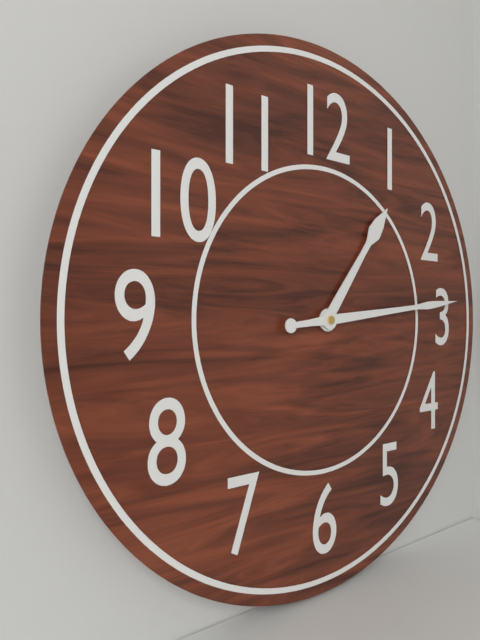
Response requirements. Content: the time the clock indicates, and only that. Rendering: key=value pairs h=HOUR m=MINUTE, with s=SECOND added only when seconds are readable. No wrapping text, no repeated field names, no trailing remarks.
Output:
h=1 m=14
